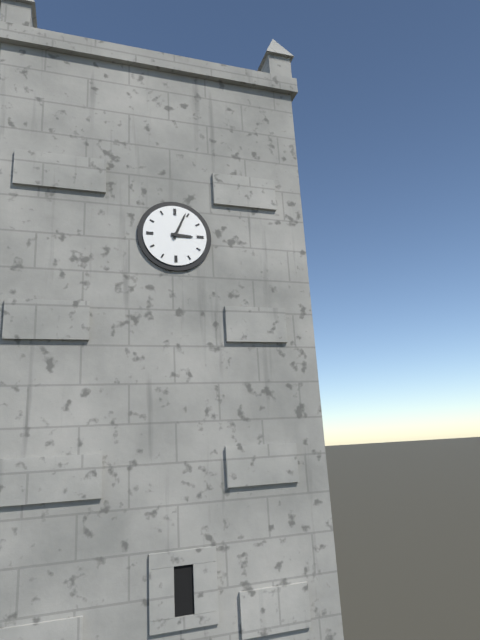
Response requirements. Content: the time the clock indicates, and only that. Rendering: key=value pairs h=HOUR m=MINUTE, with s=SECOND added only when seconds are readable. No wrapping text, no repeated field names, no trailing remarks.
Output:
h=3 m=4
